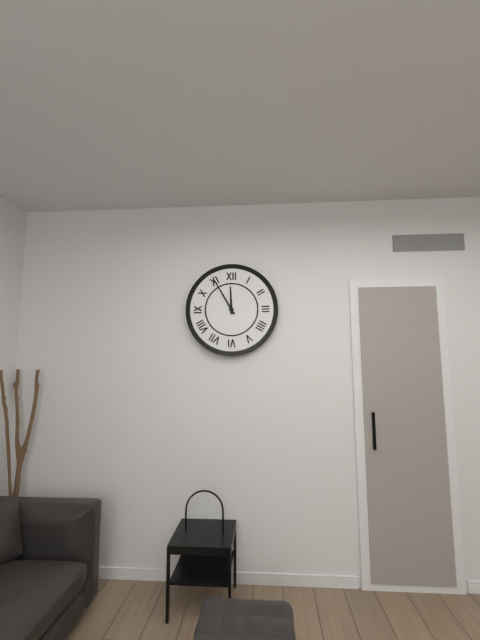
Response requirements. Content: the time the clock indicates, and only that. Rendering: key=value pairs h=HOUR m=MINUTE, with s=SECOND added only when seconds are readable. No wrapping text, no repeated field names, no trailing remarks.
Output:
h=11 m=55
